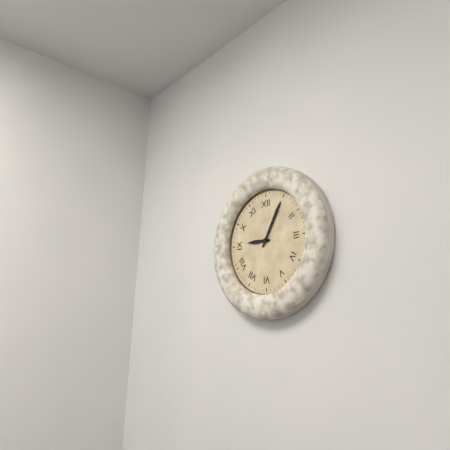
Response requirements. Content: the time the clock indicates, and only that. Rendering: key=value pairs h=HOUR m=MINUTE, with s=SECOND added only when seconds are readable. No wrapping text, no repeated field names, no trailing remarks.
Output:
h=9 m=5
